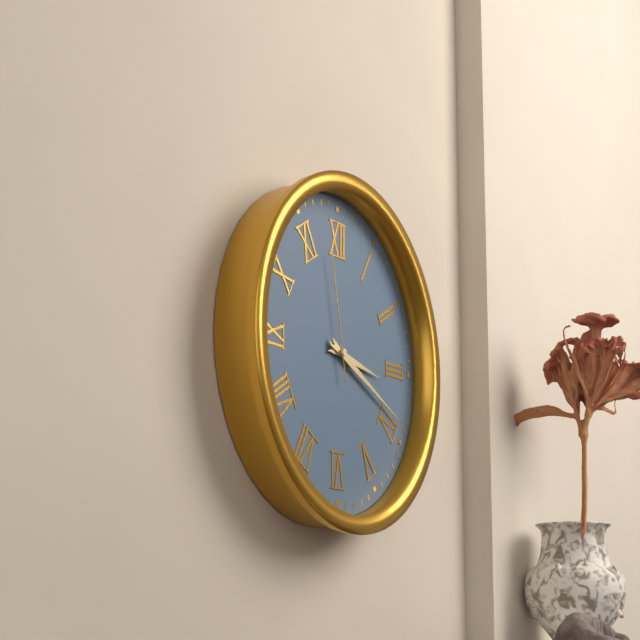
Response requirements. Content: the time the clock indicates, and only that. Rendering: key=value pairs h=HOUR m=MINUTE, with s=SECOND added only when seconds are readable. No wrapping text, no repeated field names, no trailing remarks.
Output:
h=3 m=19 s=58
